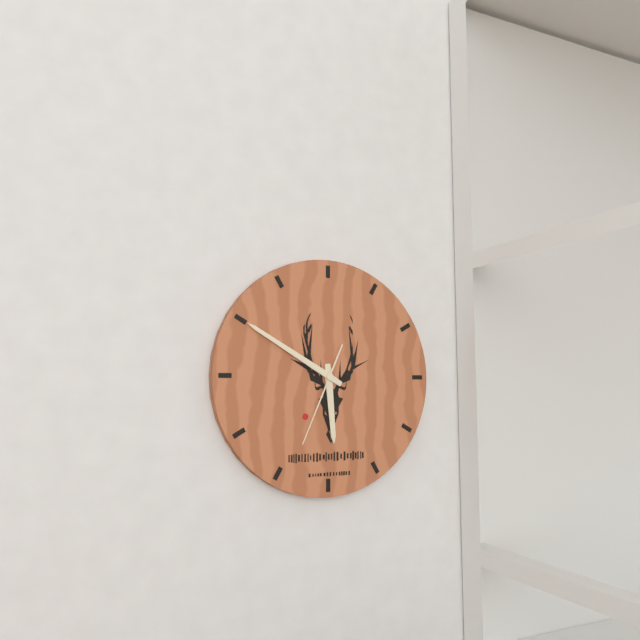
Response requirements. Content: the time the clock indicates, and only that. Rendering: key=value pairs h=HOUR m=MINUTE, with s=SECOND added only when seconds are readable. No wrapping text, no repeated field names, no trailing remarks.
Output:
h=5 m=50 s=34
